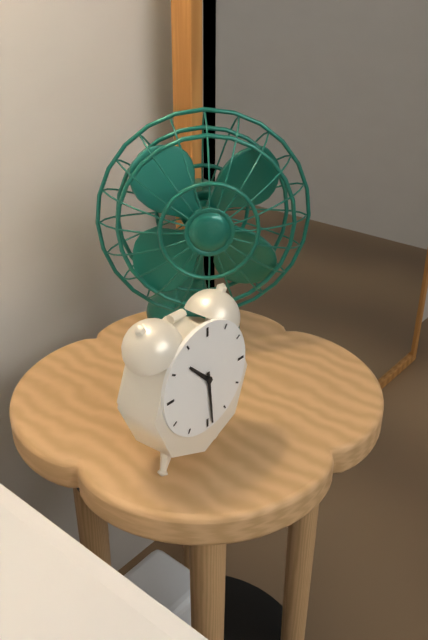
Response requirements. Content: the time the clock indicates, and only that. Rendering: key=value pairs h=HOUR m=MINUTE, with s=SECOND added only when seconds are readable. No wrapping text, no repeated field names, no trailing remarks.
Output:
h=10 m=29
